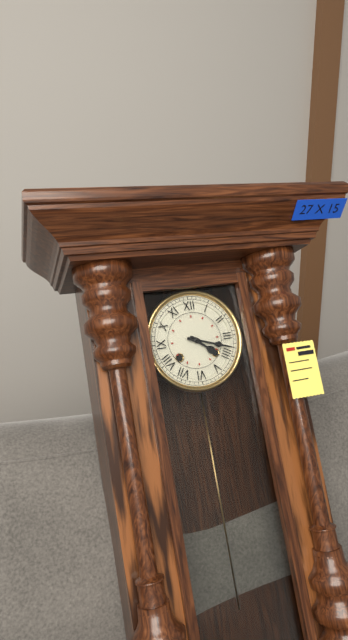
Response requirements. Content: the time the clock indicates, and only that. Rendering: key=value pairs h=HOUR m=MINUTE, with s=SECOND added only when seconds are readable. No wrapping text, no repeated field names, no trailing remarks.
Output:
h=4 m=18
